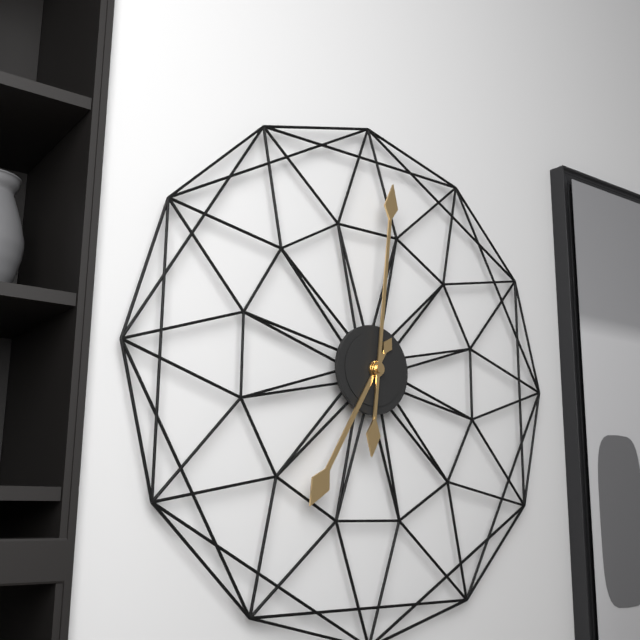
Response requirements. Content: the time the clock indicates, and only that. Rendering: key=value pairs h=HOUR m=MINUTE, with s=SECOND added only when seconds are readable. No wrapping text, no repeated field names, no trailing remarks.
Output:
h=7 m=1
